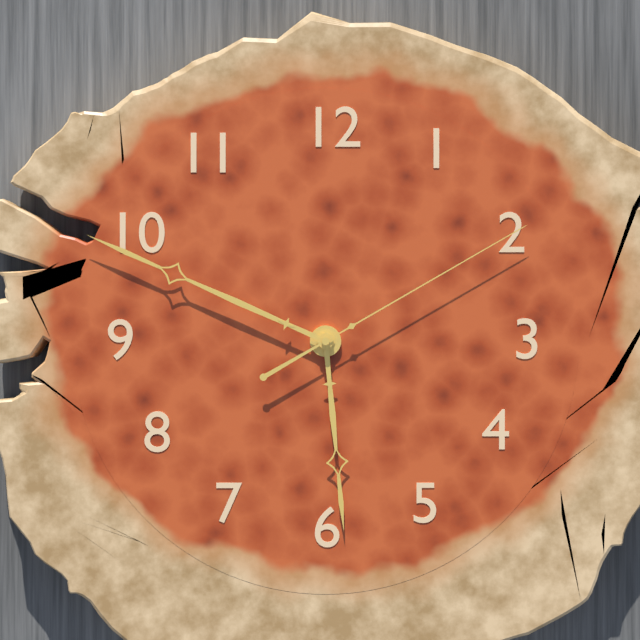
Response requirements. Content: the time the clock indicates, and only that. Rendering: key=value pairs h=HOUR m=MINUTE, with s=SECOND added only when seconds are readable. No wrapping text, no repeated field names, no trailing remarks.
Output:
h=5 m=49 s=10
